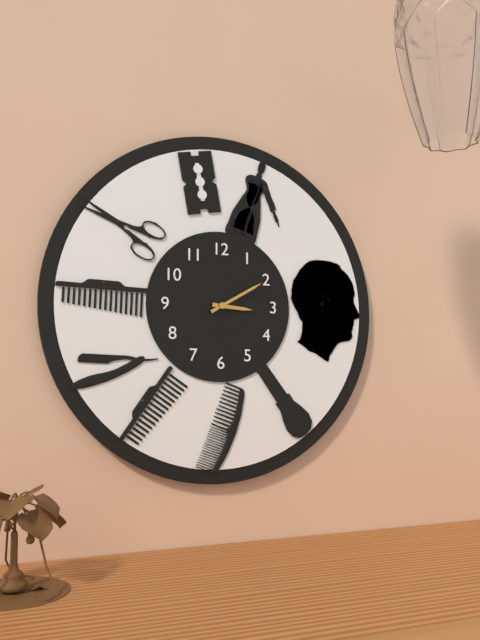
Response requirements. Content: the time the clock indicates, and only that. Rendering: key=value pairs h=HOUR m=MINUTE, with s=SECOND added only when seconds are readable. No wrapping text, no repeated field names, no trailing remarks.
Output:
h=3 m=10
